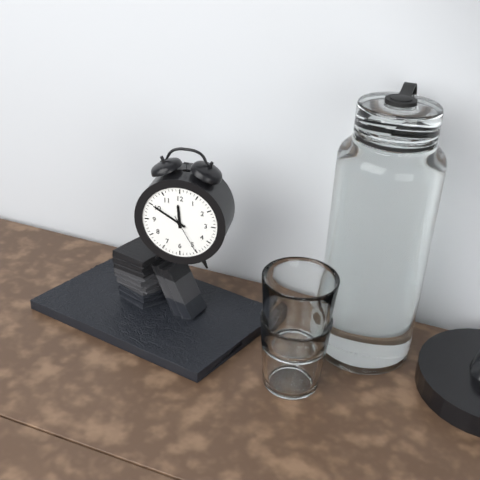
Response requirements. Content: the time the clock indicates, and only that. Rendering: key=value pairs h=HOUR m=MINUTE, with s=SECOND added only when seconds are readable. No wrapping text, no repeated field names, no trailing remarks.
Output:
h=11 m=50
